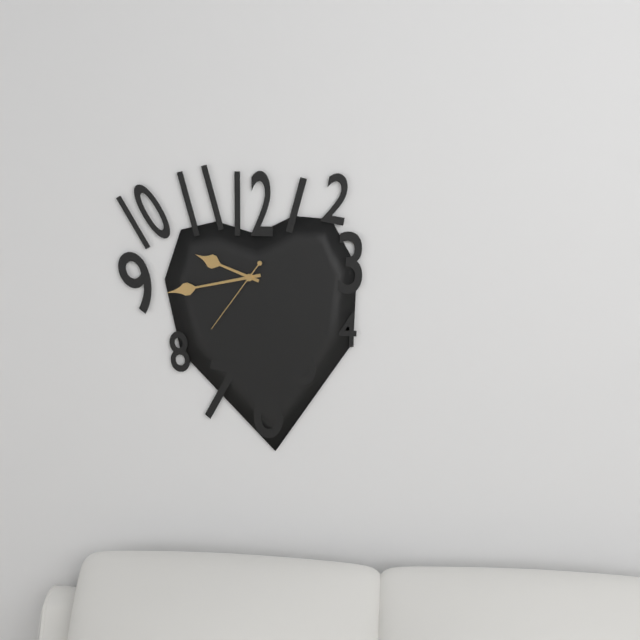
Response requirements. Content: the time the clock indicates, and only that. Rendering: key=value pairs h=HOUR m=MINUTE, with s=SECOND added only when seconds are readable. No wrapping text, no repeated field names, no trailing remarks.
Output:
h=9 m=43 s=36
